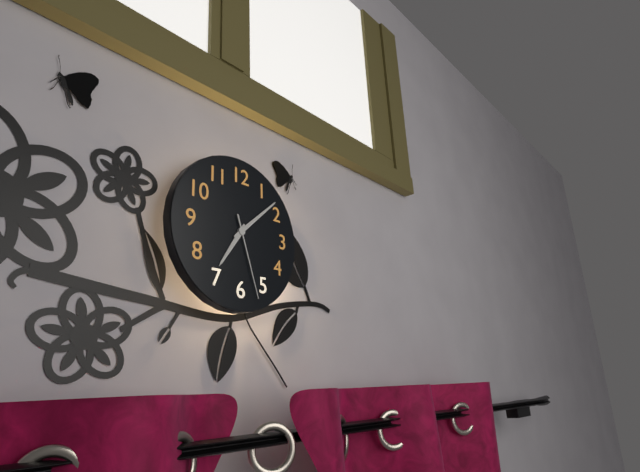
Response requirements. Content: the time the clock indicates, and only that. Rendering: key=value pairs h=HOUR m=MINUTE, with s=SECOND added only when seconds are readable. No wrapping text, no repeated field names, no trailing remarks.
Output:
h=7 m=8 s=27
